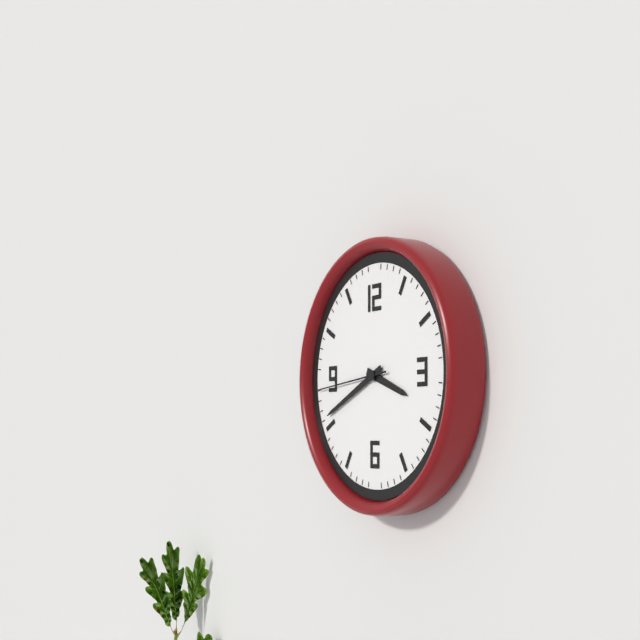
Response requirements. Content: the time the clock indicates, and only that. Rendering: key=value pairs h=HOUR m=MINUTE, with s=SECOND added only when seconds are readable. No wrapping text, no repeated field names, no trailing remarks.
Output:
h=3 m=41 s=44
